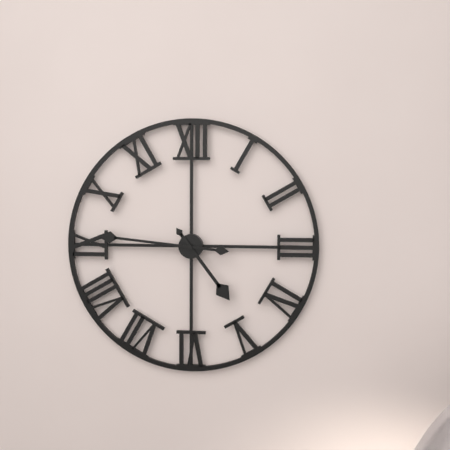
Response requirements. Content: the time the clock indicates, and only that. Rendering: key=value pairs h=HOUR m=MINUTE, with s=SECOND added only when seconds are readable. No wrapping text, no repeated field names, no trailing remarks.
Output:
h=4 m=46
